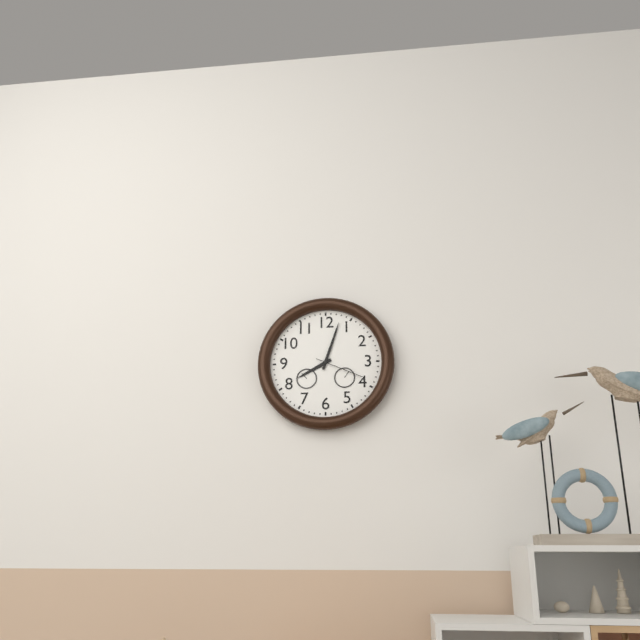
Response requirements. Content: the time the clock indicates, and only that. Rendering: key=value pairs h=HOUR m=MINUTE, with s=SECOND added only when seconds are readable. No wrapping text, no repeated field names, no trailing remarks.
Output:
h=8 m=3
